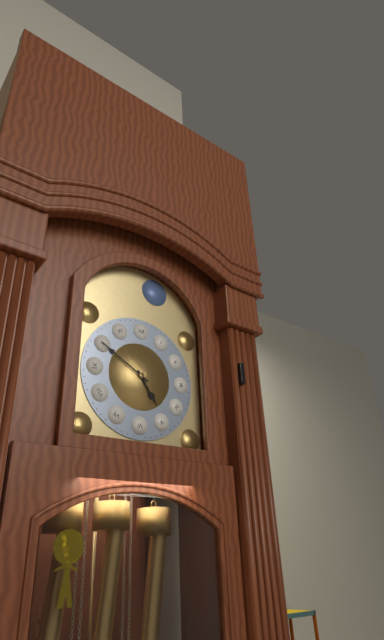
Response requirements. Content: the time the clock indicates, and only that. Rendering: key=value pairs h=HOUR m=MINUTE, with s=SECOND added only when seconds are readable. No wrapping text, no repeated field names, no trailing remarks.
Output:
h=4 m=50
